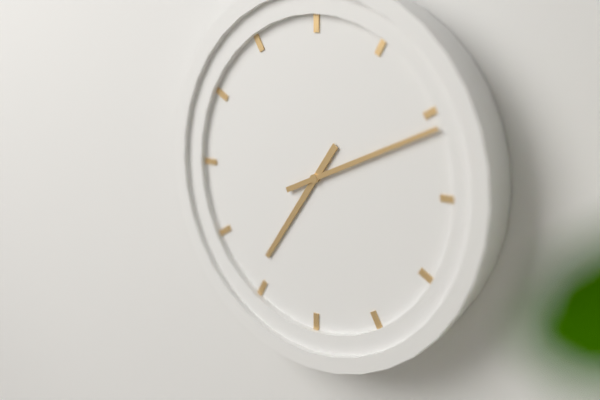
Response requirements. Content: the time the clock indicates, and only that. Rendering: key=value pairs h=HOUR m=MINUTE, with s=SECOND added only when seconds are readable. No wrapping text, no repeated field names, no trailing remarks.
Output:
h=7 m=11
